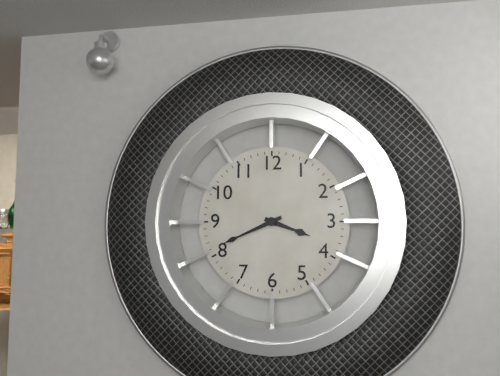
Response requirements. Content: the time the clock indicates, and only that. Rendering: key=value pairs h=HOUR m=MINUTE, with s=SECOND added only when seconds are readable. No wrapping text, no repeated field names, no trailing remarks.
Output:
h=3 m=41
